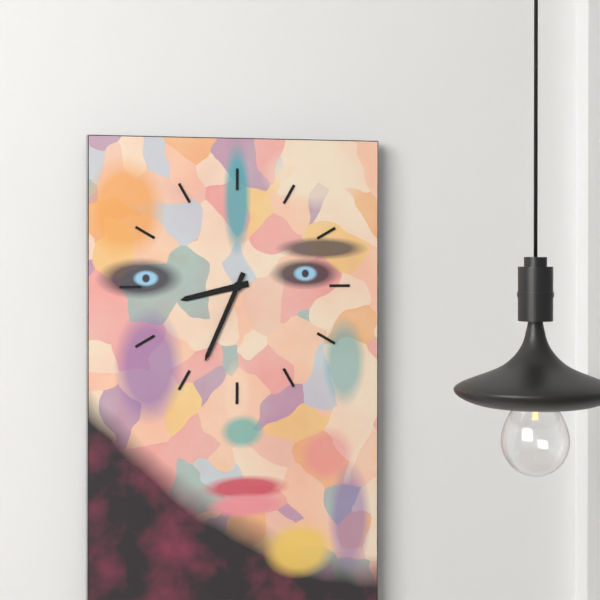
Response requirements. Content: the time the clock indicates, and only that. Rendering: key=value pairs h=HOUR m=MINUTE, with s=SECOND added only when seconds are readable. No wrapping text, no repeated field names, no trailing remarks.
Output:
h=8 m=34
